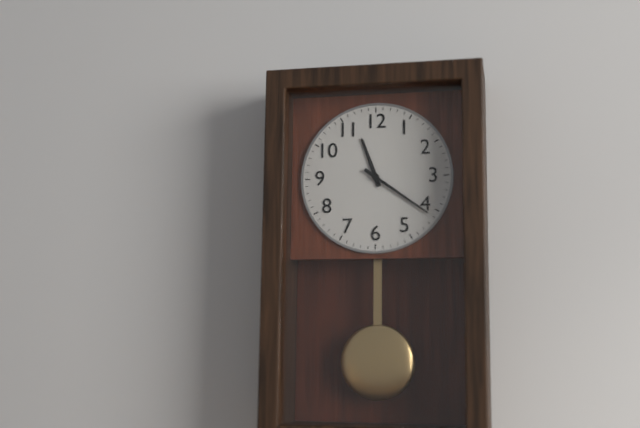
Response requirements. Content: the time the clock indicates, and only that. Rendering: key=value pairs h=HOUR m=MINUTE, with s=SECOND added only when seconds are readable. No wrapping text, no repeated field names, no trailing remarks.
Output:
h=11 m=21
